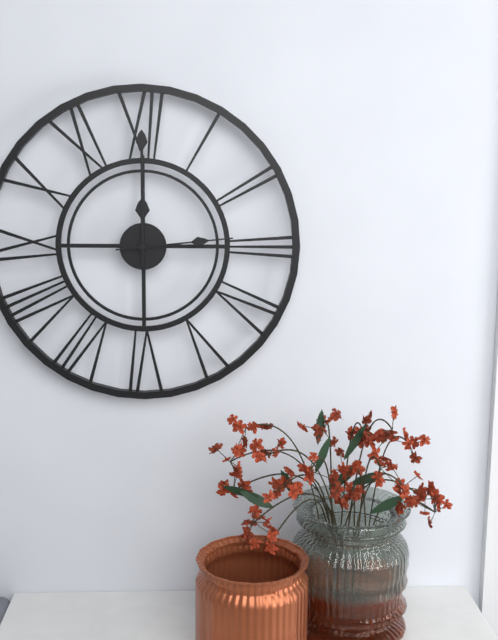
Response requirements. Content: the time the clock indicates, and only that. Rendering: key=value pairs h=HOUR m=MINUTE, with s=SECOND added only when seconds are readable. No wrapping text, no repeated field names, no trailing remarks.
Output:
h=12 m=0 s=14
